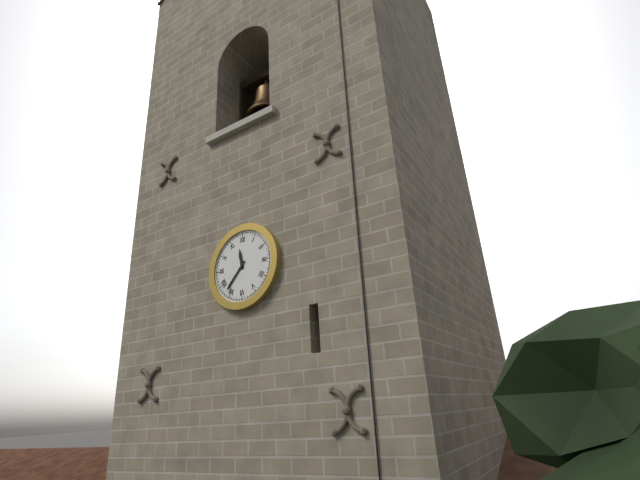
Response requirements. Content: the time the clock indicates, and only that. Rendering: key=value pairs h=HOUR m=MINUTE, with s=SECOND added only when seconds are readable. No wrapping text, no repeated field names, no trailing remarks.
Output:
h=11 m=37
